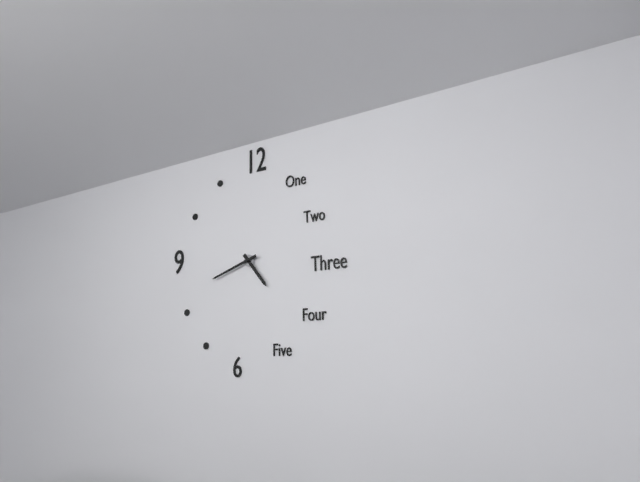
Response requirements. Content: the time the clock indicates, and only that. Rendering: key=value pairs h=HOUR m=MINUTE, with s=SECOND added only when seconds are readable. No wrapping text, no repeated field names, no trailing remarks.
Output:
h=4 m=42
